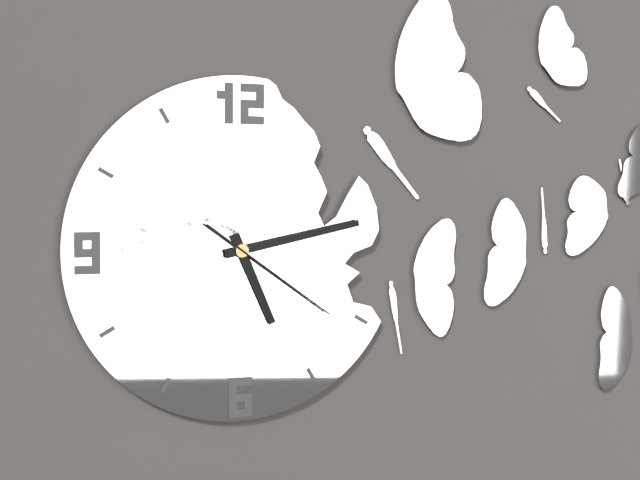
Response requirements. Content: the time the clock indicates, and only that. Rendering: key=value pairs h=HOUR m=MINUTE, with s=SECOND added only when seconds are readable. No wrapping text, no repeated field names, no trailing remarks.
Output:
h=5 m=13 s=21
